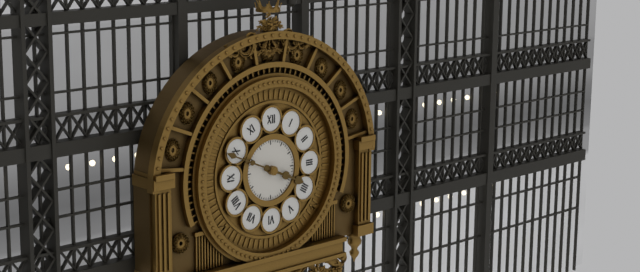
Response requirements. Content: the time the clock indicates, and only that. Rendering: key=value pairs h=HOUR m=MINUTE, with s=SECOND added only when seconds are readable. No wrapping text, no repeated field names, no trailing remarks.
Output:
h=3 m=49
